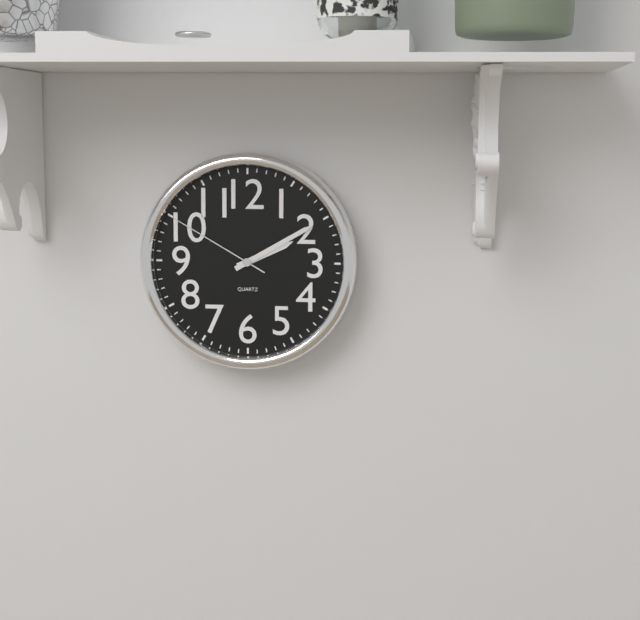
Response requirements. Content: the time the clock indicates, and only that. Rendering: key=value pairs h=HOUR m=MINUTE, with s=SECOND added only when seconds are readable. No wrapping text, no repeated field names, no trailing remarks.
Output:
h=2 m=10 s=50
